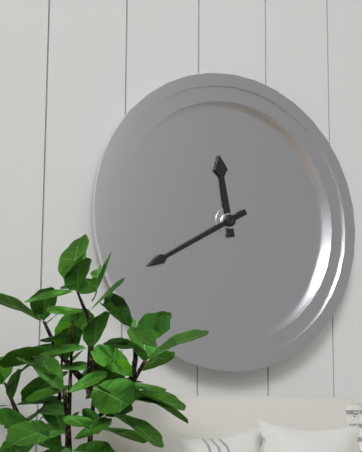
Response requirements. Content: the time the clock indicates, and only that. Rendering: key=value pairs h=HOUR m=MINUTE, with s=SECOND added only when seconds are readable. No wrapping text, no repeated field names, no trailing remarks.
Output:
h=11 m=40
